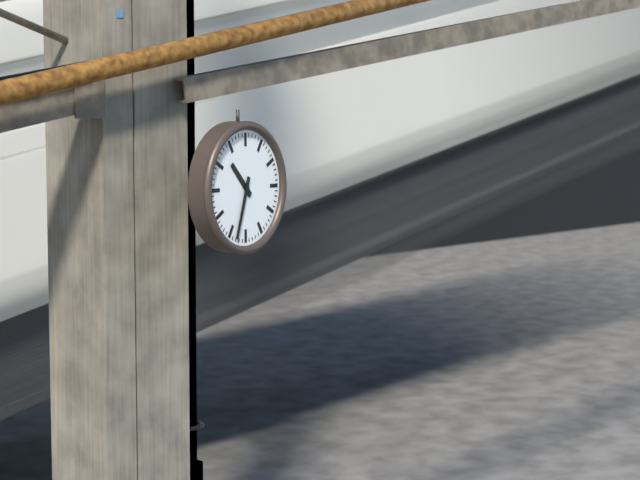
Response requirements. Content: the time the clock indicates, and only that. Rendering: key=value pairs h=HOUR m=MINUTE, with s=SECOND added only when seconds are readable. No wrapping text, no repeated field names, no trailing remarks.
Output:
h=10 m=33
